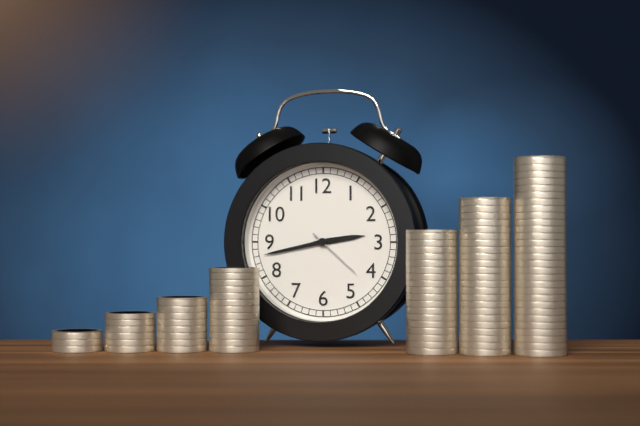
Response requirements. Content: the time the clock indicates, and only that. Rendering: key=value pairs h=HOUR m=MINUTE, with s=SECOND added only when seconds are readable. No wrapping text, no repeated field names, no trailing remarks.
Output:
h=2 m=43 s=22
